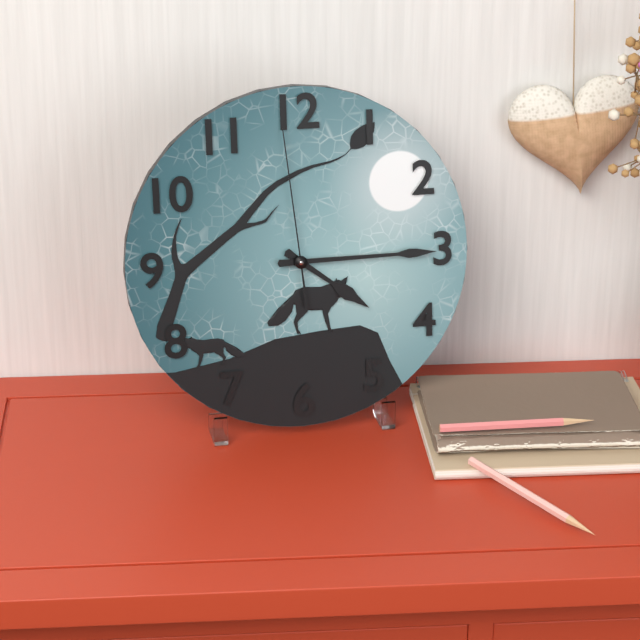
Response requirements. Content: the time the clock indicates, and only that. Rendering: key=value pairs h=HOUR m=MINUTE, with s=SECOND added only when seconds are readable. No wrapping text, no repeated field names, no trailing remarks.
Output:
h=4 m=15 s=59
